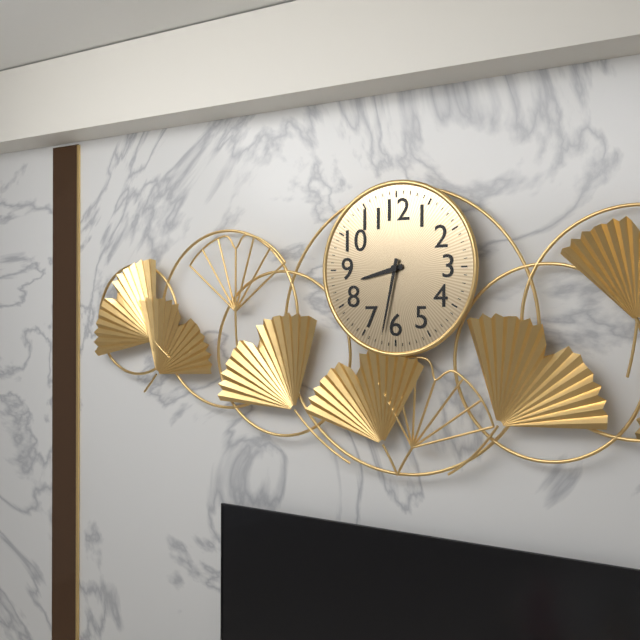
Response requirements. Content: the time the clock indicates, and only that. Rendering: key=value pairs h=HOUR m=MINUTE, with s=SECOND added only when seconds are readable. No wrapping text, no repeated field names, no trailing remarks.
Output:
h=8 m=32
